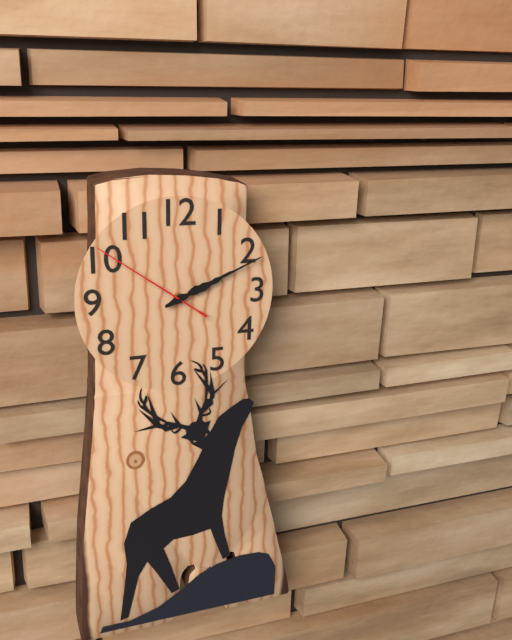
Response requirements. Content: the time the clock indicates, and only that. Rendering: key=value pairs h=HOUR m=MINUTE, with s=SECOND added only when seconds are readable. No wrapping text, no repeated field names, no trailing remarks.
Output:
h=2 m=11 s=51
